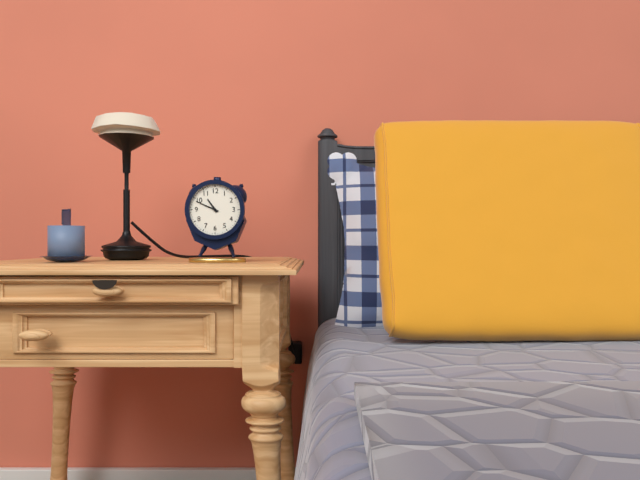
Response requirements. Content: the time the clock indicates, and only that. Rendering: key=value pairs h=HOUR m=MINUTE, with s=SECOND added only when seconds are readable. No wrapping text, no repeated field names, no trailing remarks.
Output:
h=10 m=49
